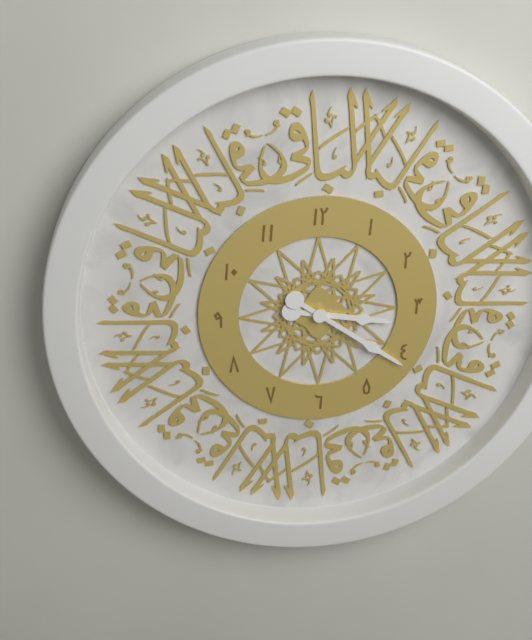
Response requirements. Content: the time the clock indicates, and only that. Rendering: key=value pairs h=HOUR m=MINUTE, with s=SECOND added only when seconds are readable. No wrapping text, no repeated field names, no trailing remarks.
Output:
h=3 m=21
